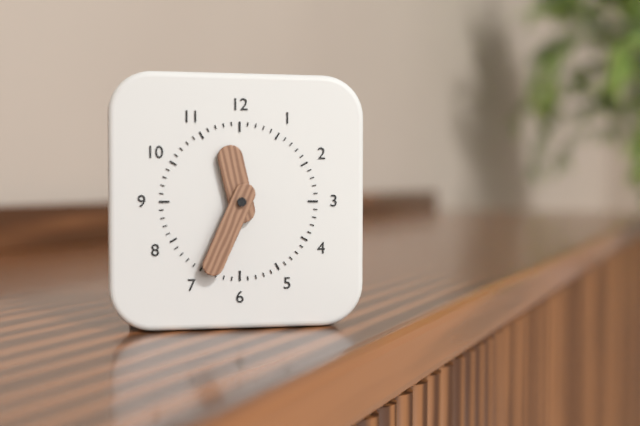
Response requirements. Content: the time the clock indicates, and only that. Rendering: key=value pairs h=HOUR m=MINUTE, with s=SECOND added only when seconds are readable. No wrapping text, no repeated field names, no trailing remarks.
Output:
h=11 m=34
